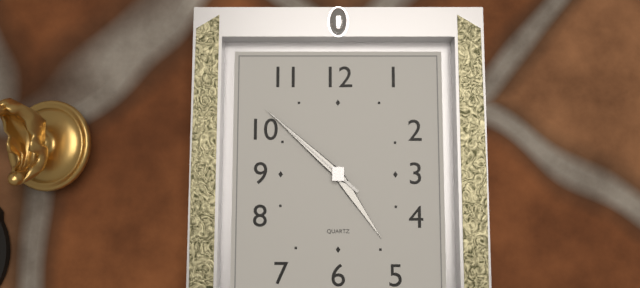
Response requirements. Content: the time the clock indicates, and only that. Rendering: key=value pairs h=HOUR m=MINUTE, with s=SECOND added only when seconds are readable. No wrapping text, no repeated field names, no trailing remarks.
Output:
h=4 m=52 s=52
